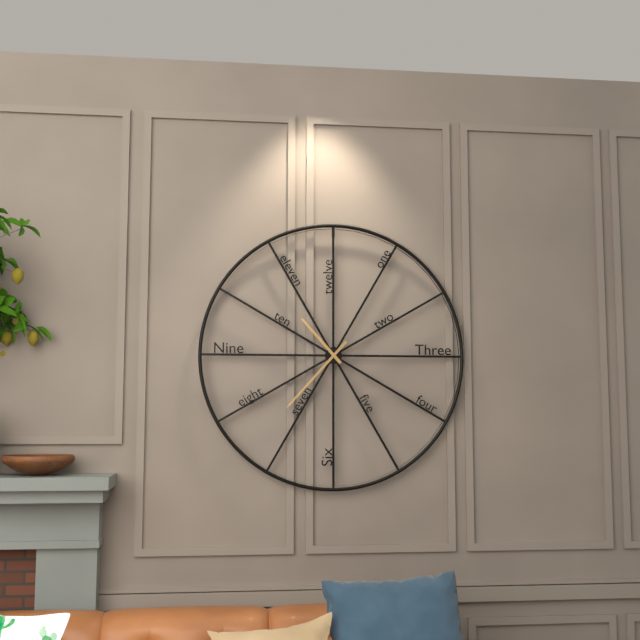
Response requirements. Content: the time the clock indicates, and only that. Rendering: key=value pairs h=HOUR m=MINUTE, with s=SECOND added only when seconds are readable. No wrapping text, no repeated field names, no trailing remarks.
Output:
h=10 m=37
